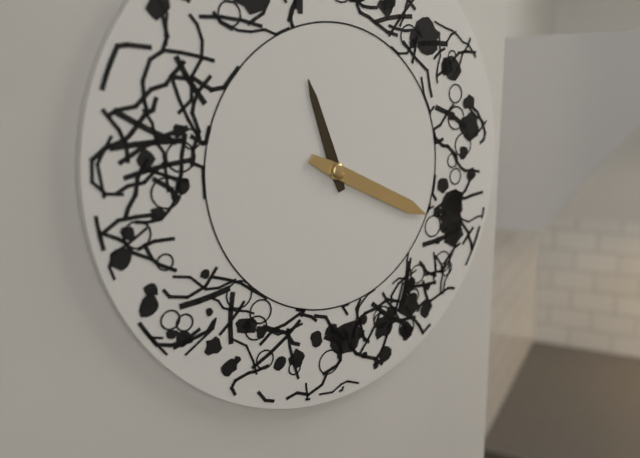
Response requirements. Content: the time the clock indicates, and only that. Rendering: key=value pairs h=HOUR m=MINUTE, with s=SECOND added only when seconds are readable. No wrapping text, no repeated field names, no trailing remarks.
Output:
h=11 m=19
